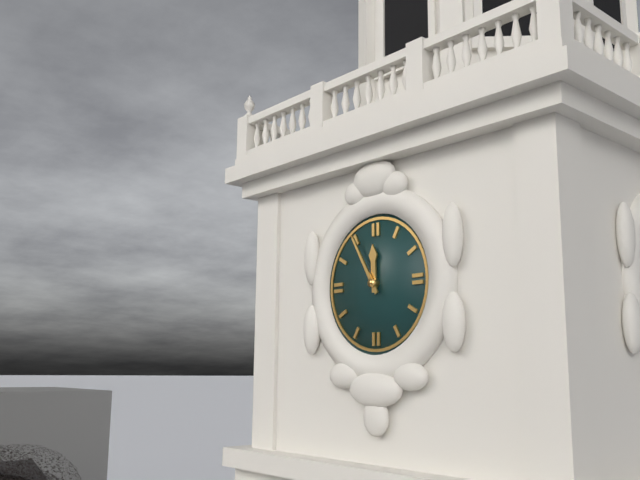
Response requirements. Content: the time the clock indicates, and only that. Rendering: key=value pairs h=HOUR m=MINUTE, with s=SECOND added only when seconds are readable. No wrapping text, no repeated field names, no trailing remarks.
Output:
h=11 m=55
